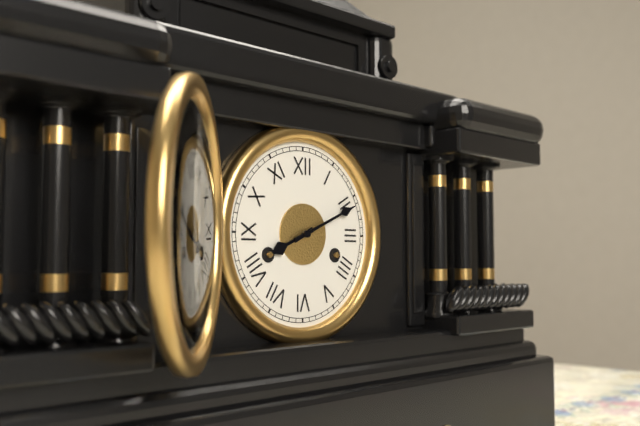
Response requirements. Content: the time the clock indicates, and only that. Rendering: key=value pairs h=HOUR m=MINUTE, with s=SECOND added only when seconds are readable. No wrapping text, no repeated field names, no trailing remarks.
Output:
h=8 m=11
